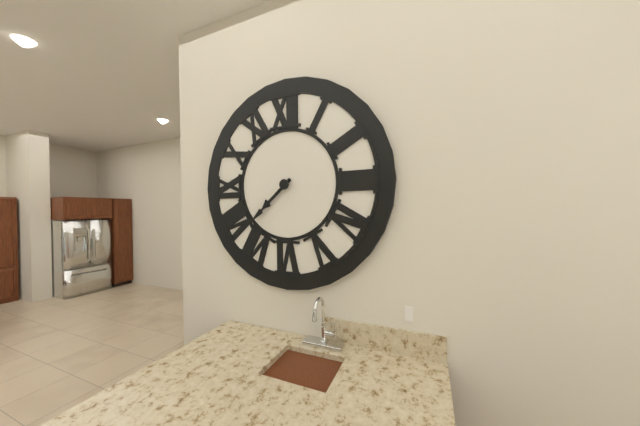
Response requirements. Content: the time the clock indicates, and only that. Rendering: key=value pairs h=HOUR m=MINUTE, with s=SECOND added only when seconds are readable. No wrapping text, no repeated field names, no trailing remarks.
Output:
h=7 m=38
